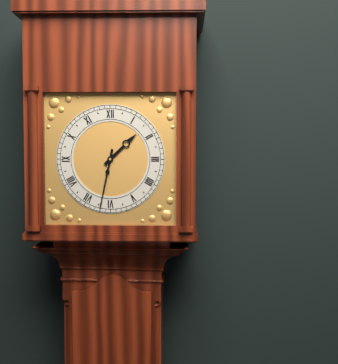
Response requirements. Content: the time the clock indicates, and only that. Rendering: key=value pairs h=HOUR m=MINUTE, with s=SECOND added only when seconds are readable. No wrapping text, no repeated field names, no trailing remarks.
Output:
h=1 m=32
